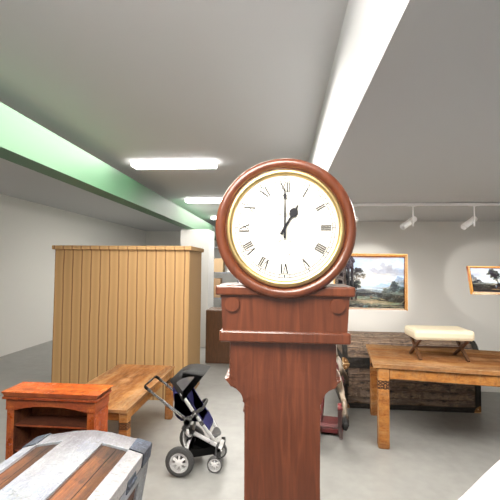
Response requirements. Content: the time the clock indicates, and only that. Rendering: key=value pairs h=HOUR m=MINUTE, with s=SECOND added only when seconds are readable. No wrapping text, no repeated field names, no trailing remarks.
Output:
h=1 m=0
